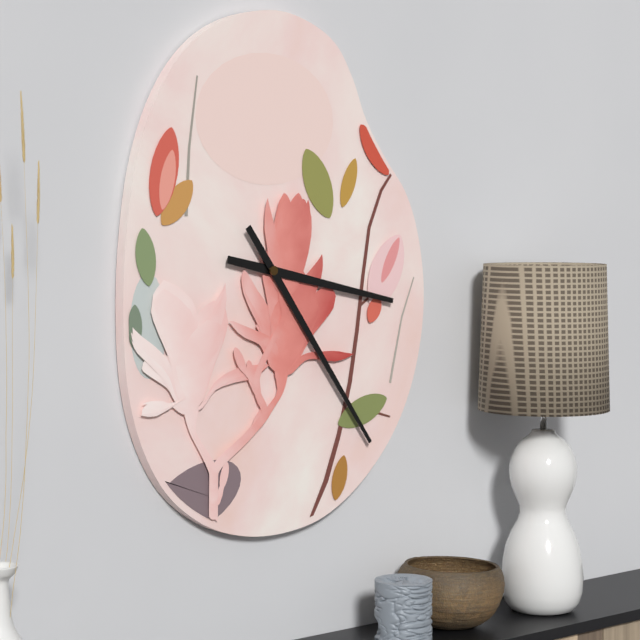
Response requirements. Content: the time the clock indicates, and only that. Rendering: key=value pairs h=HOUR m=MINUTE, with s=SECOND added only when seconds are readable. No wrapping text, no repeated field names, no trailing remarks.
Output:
h=3 m=24
